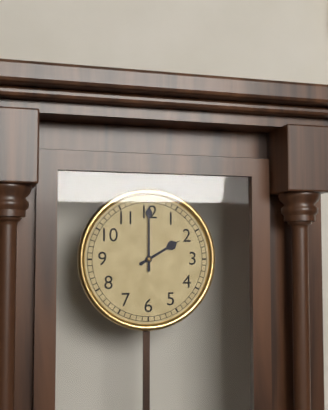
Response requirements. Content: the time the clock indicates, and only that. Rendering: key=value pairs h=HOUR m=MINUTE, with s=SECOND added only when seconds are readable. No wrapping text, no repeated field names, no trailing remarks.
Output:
h=2 m=0
